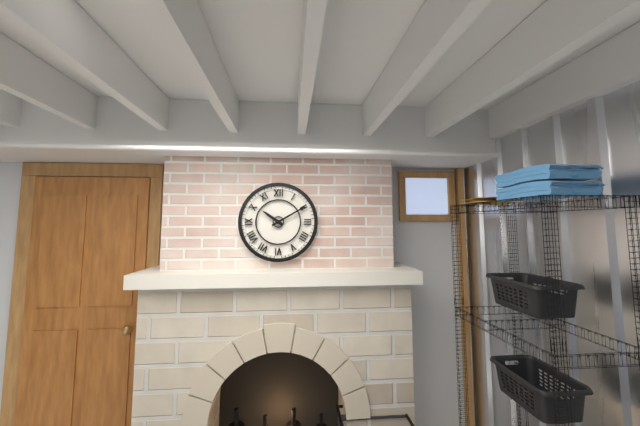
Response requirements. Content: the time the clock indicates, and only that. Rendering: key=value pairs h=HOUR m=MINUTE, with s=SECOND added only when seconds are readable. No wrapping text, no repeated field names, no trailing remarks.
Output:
h=10 m=10
